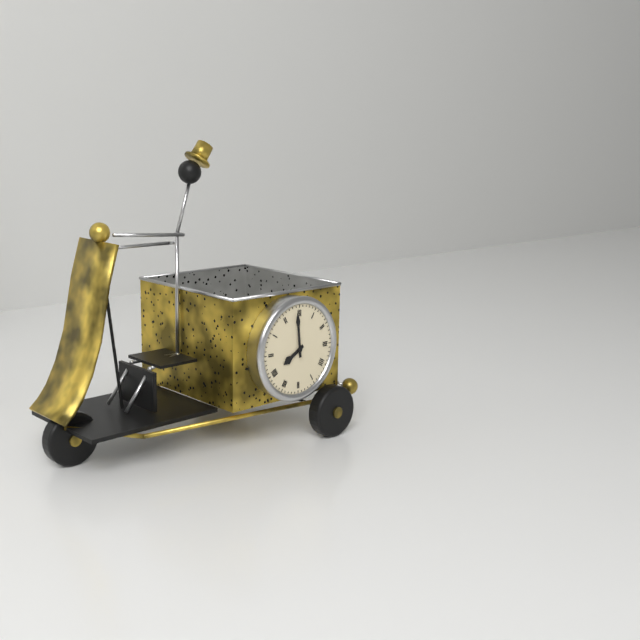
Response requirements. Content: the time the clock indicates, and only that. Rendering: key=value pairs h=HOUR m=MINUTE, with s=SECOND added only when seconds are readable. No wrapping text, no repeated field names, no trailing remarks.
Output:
h=7 m=59
